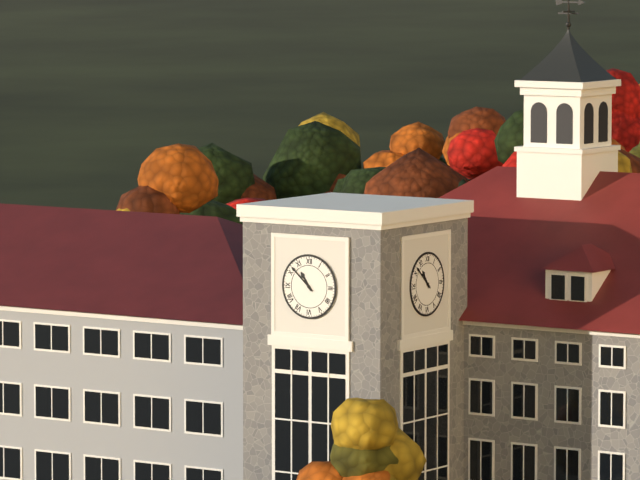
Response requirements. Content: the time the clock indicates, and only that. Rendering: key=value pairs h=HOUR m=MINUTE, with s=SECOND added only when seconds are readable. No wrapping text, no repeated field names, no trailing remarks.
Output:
h=10 m=52
